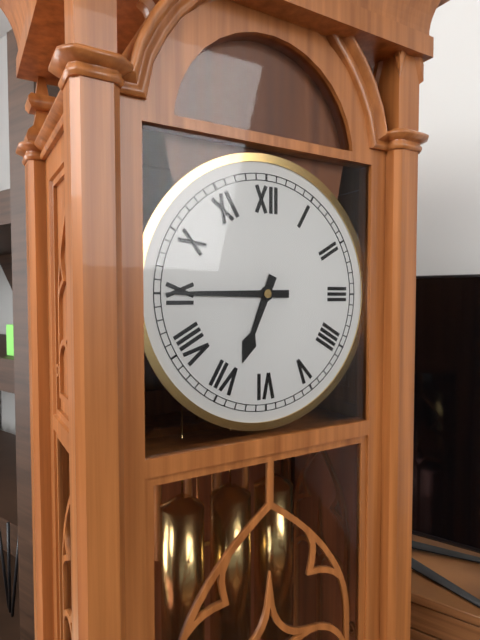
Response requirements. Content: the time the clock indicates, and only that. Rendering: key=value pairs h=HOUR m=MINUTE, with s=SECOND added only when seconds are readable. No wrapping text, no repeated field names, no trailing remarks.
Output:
h=6 m=45
